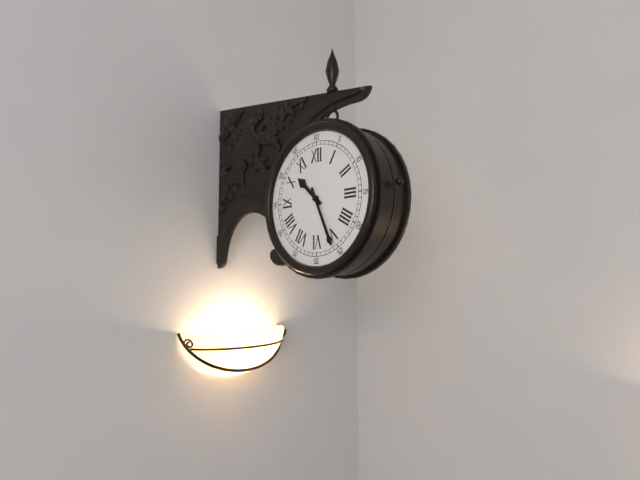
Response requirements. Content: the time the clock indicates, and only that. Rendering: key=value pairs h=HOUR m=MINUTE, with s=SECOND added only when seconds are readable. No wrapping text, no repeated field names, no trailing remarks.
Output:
h=10 m=26
